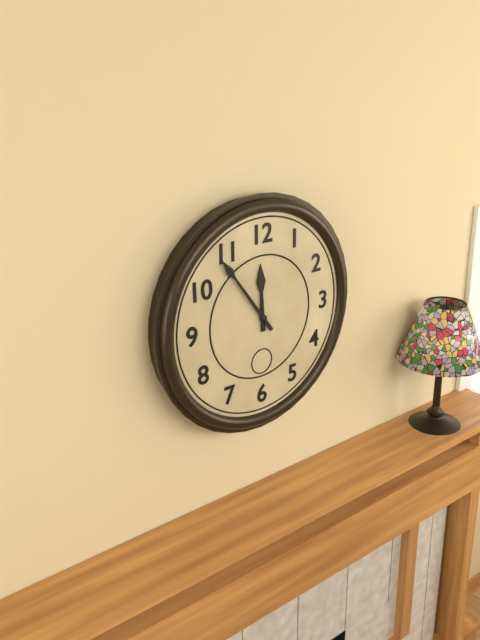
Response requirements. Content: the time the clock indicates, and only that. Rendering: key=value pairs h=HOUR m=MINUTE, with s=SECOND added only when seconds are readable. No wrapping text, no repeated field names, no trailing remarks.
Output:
h=11 m=54
